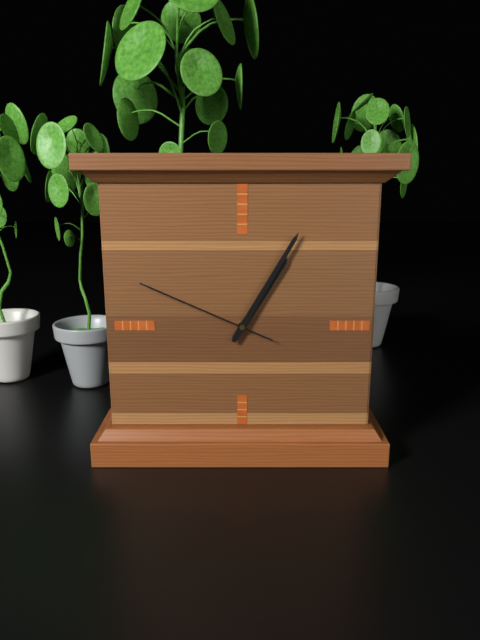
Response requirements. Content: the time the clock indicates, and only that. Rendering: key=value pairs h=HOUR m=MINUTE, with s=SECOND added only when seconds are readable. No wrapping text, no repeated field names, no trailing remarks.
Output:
h=1 m=5 s=49
